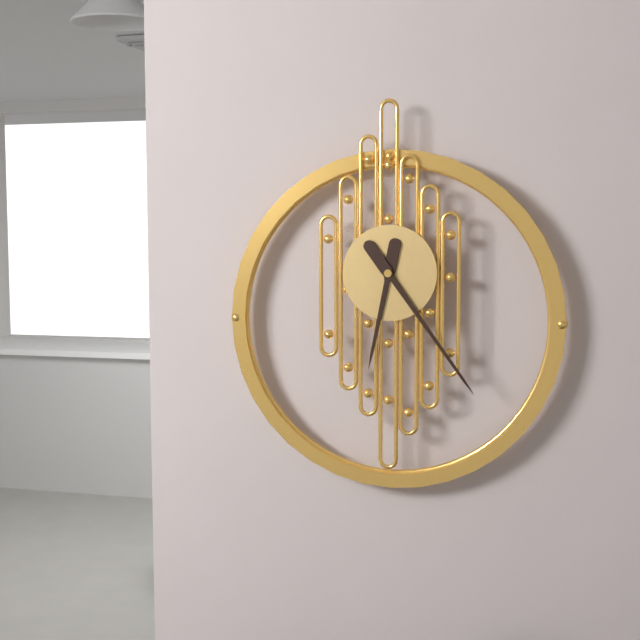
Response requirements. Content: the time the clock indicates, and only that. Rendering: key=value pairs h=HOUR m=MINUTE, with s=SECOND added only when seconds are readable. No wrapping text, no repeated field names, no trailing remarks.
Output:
h=6 m=24
